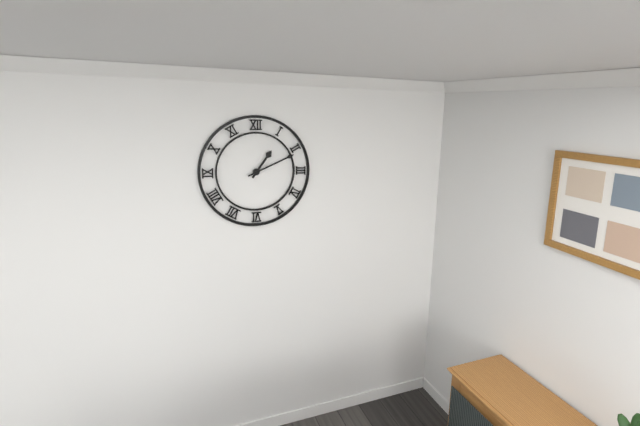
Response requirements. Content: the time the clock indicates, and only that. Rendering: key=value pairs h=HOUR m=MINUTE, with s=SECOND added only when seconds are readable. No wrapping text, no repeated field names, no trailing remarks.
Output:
h=1 m=11
